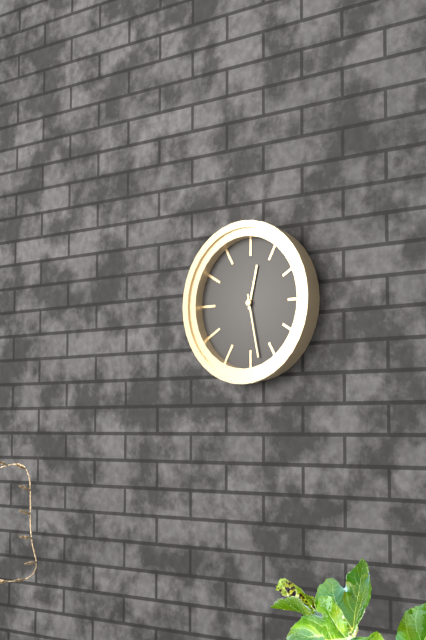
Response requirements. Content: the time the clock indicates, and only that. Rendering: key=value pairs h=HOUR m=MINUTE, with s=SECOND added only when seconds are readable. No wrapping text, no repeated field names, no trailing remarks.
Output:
h=12 m=28
